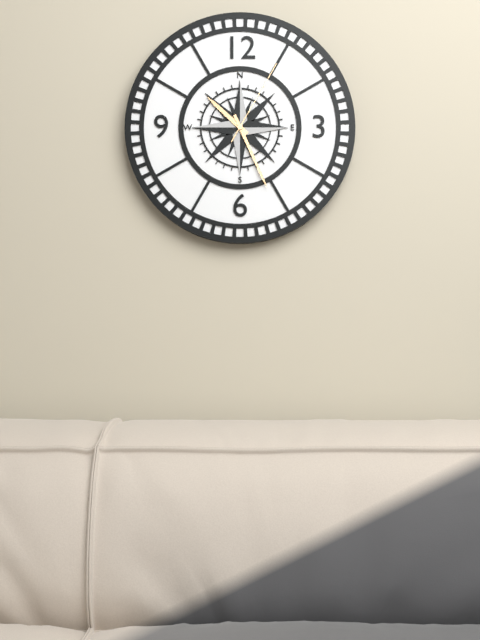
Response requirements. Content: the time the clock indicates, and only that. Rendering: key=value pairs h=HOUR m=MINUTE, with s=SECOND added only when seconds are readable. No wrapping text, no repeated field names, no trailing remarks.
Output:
h=10 m=26 s=5
